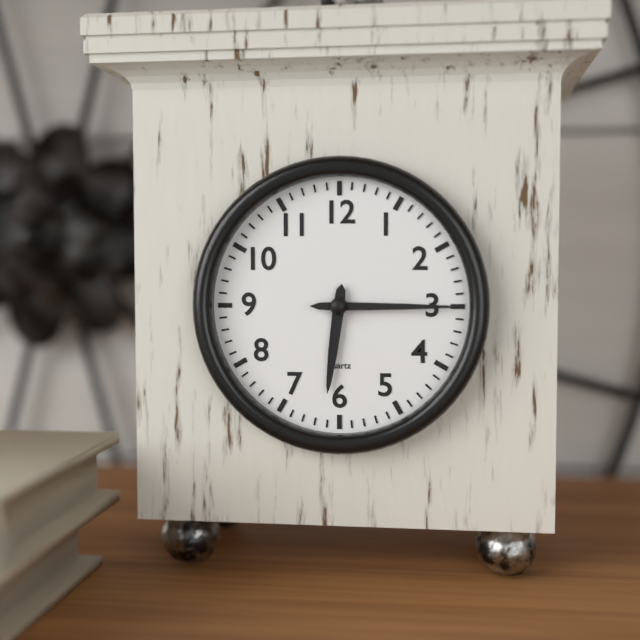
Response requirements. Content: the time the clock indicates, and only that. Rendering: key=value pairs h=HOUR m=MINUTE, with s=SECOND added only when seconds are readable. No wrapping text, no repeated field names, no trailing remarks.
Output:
h=6 m=15
